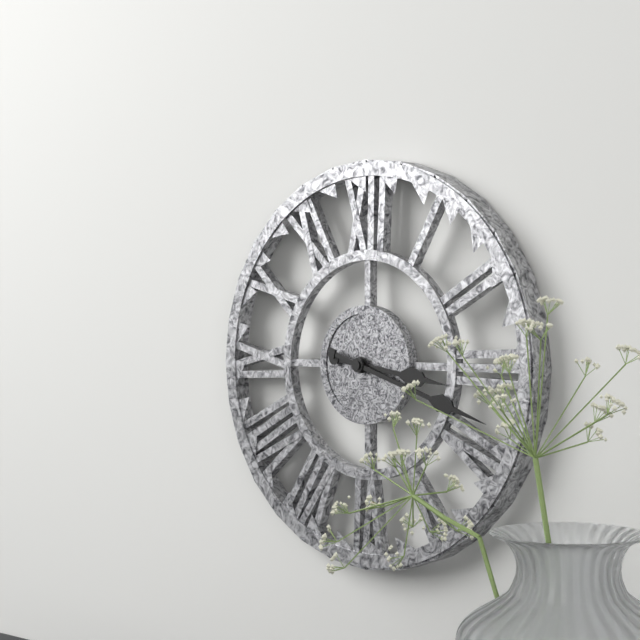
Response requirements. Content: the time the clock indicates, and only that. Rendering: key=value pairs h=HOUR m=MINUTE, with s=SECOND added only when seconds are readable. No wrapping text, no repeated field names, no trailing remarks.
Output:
h=3 m=18
